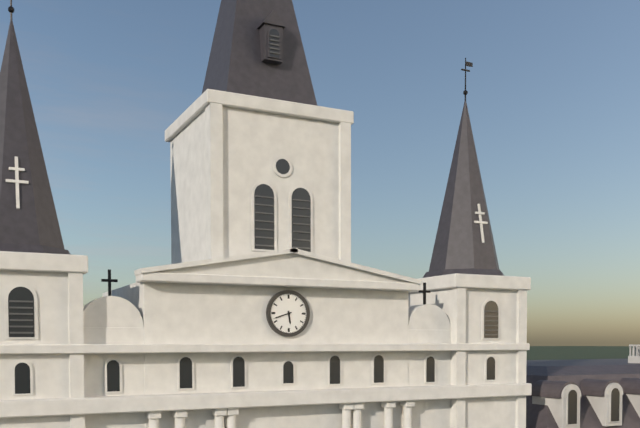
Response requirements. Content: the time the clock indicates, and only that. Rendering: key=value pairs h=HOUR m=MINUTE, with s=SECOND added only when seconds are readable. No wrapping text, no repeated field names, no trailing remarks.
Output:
h=5 m=42
